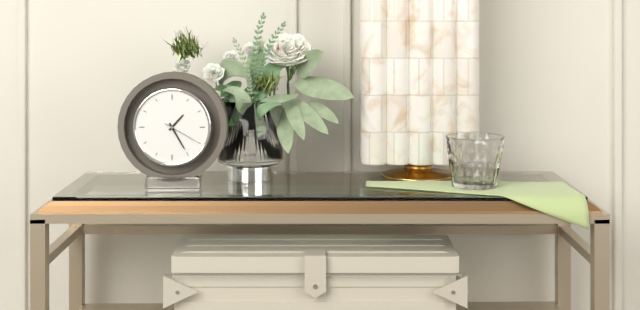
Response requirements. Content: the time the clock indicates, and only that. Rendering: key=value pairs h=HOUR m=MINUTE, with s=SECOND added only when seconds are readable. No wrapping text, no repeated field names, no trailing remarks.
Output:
h=1 m=25
